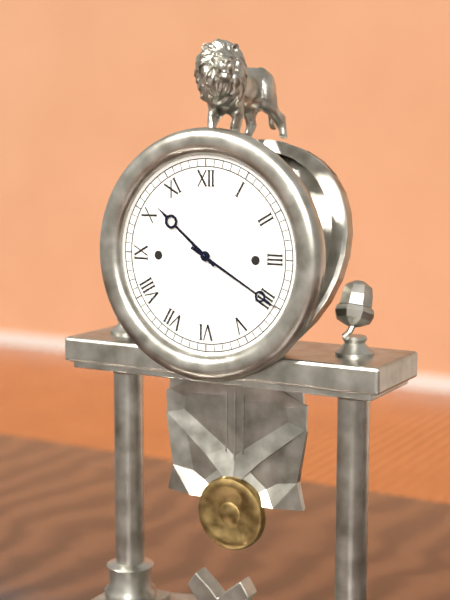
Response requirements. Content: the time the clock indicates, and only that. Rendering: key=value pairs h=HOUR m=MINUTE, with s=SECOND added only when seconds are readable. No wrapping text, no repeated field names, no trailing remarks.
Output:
h=10 m=20
